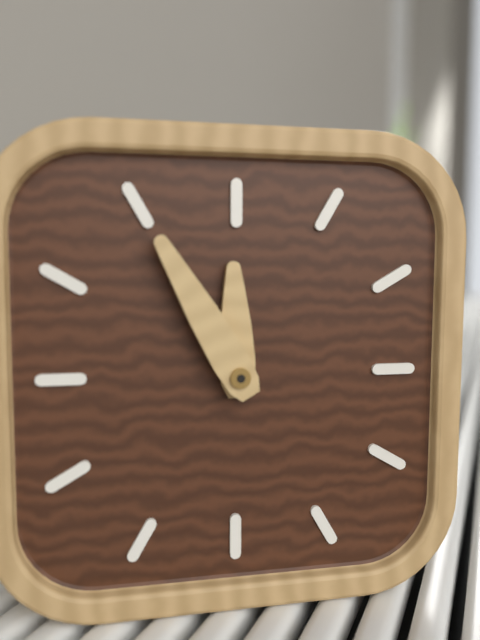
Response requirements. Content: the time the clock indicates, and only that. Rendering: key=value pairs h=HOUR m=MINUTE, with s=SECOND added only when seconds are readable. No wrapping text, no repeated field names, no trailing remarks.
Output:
h=11 m=55
